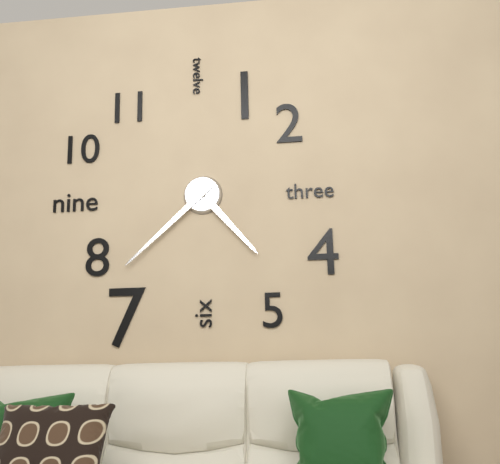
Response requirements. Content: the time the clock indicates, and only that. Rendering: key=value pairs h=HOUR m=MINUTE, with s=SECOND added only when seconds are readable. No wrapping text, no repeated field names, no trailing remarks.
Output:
h=4 m=38
